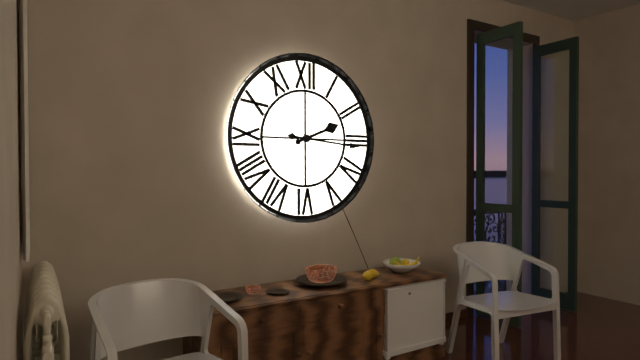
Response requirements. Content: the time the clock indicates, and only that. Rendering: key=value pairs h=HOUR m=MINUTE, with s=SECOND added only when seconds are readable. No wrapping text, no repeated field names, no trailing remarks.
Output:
h=2 m=16
